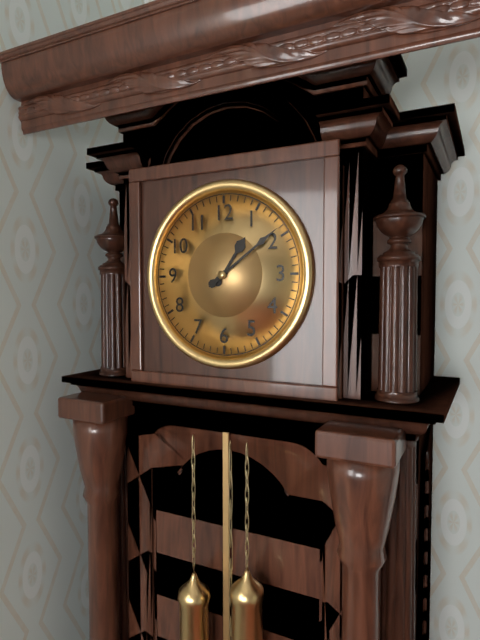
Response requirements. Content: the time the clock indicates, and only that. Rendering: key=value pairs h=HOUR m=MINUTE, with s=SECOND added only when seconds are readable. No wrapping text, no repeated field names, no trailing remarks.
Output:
h=1 m=9
